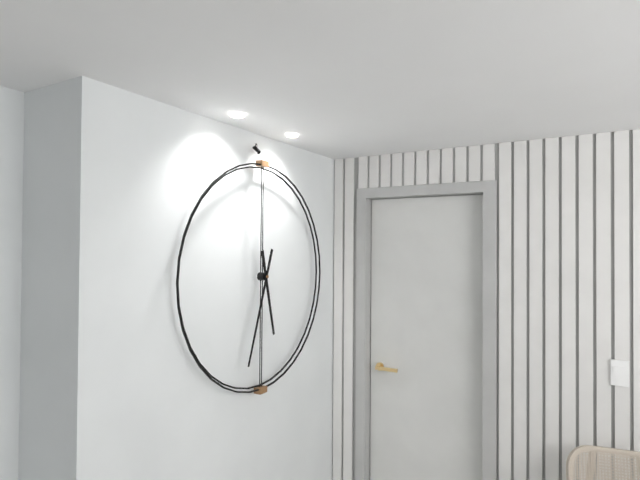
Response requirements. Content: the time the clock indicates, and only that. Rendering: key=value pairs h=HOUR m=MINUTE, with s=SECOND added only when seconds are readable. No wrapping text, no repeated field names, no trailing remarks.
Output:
h=5 m=33
